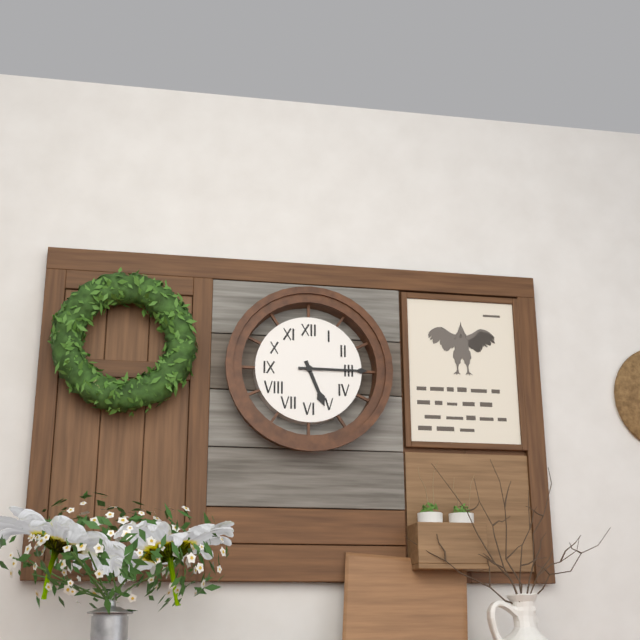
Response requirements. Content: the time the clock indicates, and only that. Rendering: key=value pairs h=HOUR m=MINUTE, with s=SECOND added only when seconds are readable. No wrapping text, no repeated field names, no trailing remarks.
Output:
h=5 m=15
